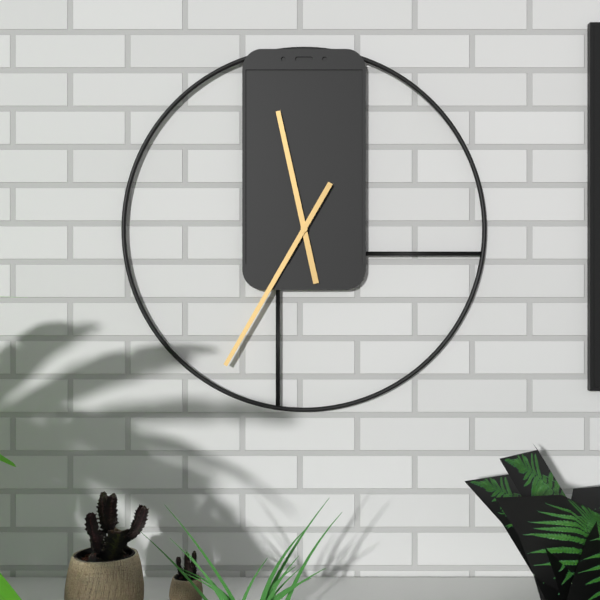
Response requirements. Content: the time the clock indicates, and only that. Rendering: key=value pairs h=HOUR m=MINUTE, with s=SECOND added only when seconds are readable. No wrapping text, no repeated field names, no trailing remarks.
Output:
h=11 m=35
